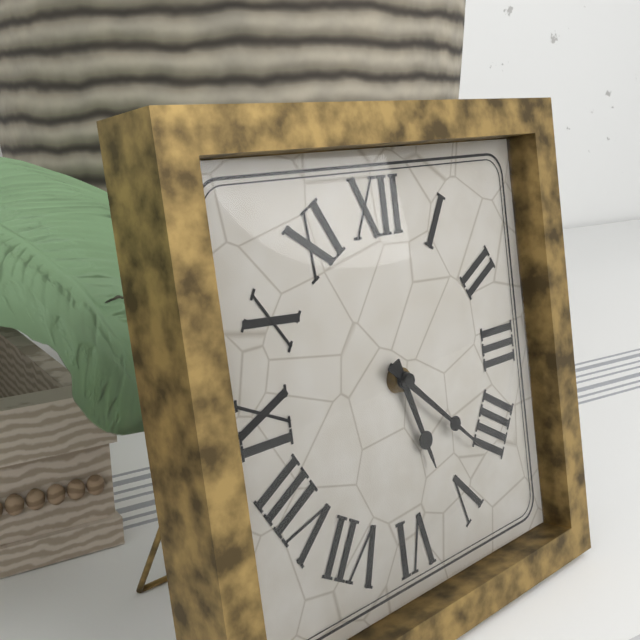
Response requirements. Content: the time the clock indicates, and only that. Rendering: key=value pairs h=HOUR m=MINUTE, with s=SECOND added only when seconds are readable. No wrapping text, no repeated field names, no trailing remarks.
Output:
h=5 m=22
